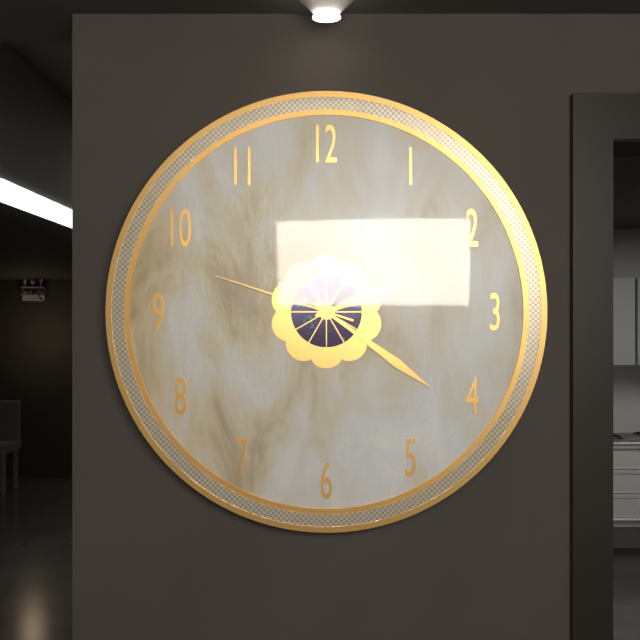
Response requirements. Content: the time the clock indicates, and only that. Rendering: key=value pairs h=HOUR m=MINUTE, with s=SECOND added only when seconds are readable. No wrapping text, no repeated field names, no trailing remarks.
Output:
h=2 m=21 s=48
